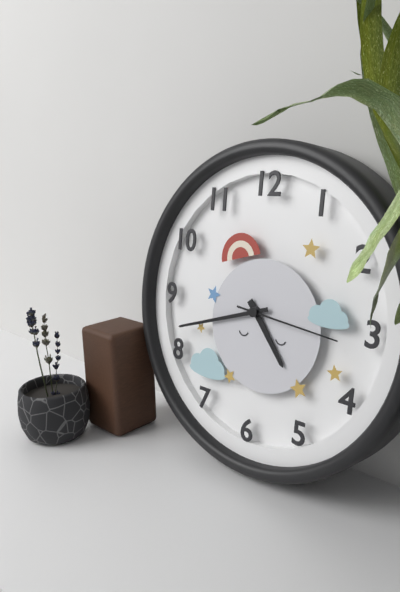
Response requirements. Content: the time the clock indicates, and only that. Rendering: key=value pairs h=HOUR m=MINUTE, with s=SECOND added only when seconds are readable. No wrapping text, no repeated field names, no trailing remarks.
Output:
h=4 m=42 s=16
